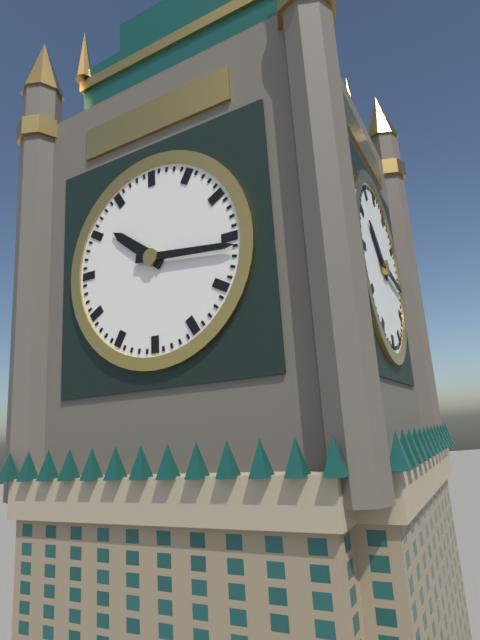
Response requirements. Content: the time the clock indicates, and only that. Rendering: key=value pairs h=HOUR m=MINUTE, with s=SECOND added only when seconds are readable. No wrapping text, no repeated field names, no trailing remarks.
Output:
h=10 m=16
